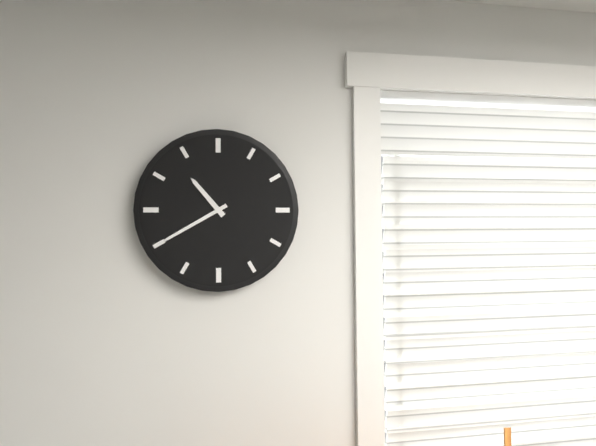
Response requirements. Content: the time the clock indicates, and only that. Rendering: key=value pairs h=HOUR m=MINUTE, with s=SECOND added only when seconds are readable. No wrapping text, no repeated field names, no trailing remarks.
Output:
h=10 m=40
